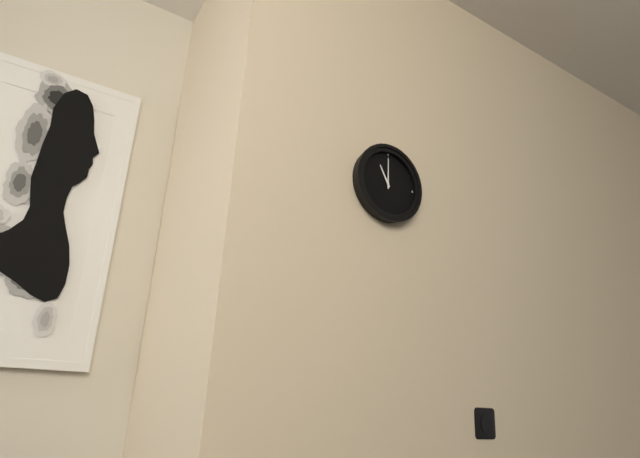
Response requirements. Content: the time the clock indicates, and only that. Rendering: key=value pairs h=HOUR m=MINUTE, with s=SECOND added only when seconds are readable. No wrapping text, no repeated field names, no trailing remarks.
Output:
h=11 m=0
